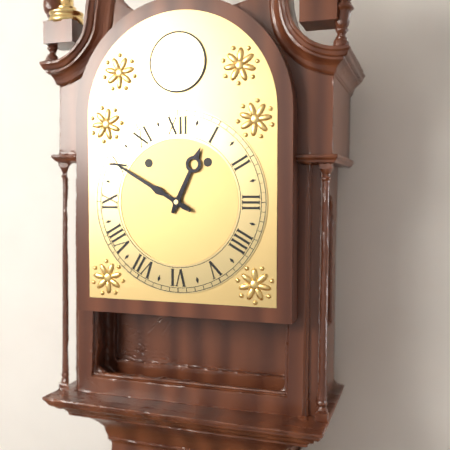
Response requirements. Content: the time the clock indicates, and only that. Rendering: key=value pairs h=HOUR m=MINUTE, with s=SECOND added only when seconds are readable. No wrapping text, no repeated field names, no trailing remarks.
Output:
h=12 m=50
